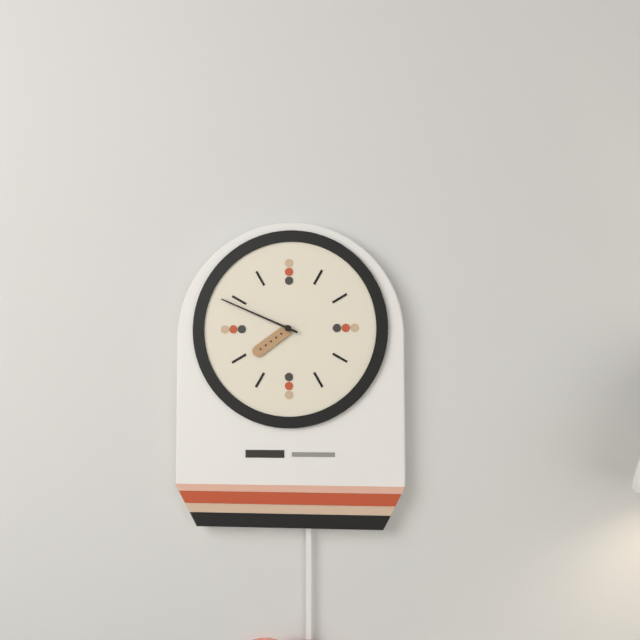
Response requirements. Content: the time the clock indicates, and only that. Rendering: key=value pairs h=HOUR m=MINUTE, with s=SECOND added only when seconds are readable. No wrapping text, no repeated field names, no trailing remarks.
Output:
h=7 m=49
